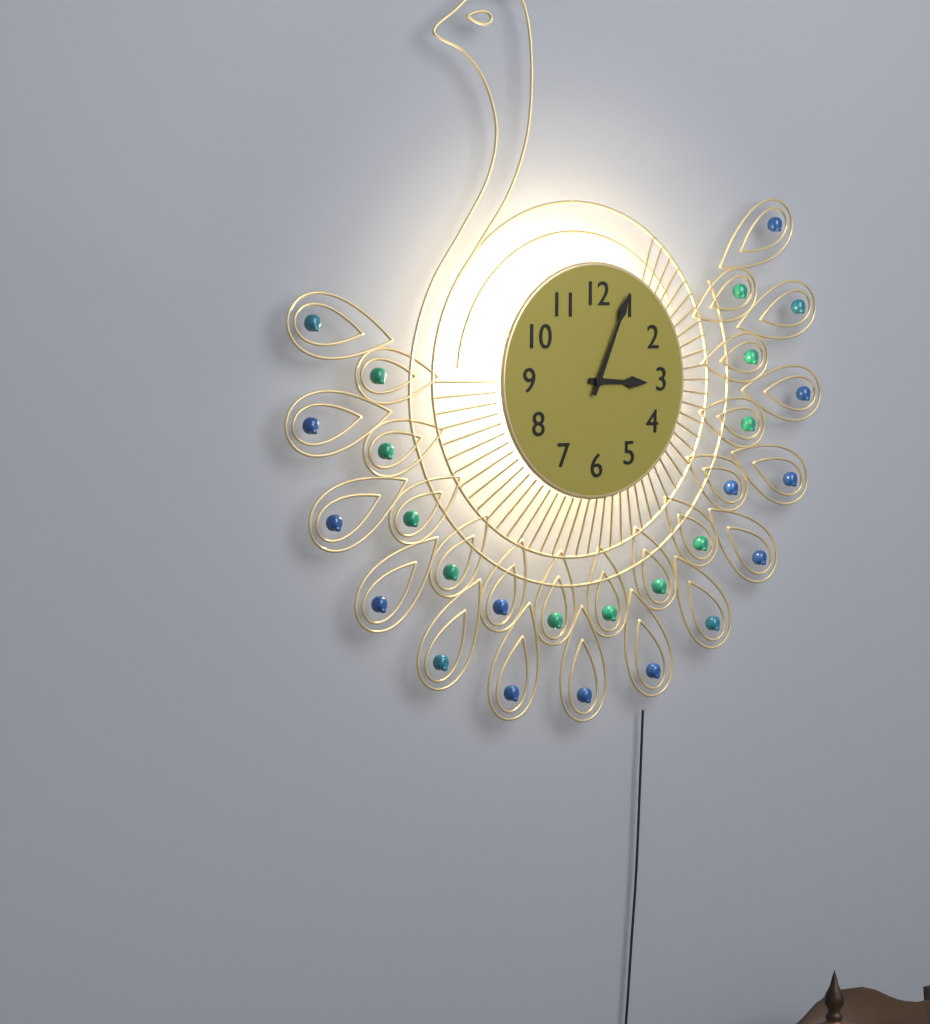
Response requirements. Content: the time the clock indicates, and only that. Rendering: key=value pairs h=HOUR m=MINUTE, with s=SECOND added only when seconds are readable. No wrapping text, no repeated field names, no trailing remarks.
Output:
h=3 m=4
